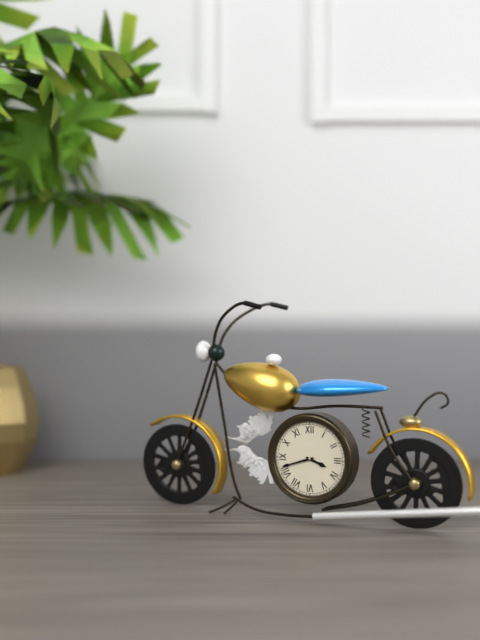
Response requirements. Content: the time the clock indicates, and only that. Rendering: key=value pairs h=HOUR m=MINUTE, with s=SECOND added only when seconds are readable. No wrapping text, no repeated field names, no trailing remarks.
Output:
h=3 m=42
